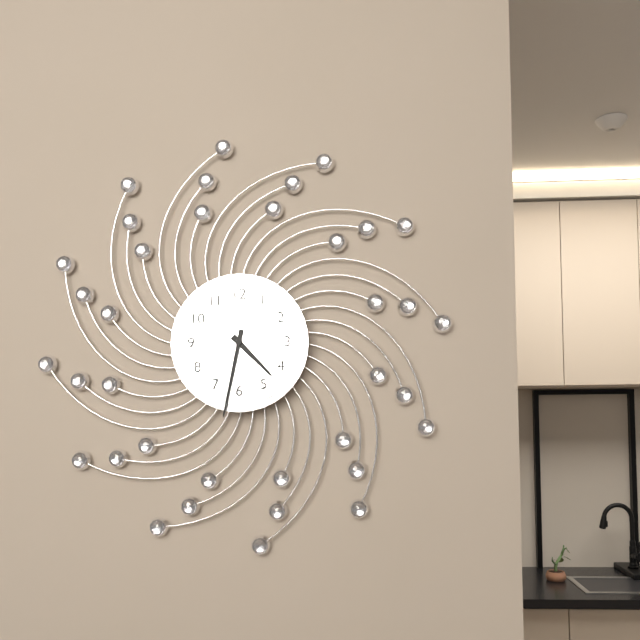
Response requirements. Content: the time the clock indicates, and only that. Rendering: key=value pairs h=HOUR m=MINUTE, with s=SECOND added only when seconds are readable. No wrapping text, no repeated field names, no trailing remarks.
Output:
h=4 m=32
